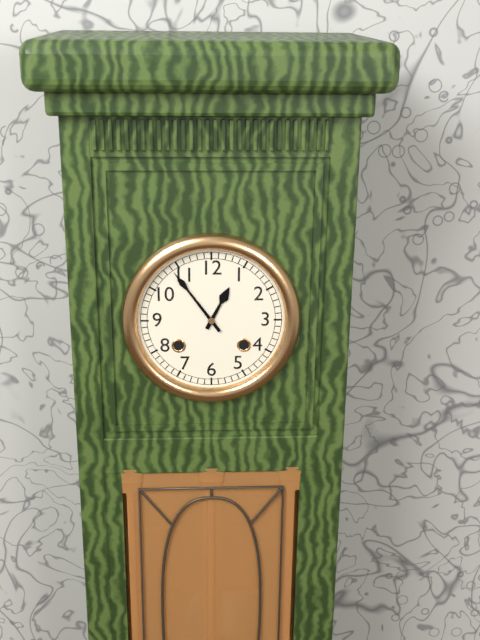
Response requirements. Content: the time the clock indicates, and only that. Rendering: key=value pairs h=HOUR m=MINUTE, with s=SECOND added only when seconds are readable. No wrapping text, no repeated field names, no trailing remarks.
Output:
h=12 m=54
